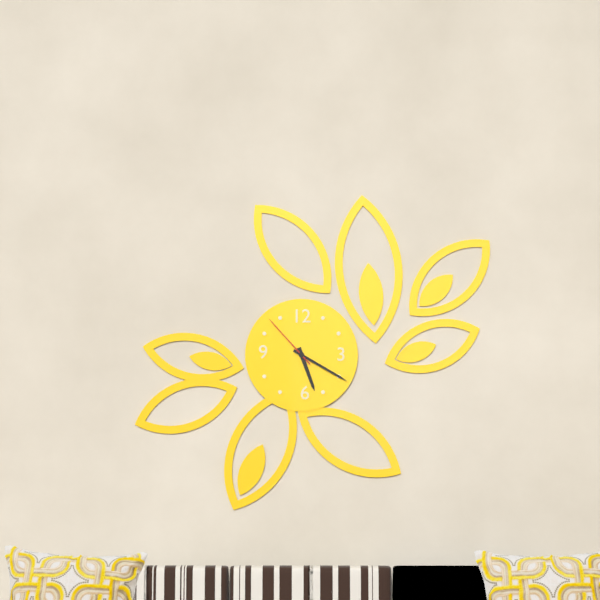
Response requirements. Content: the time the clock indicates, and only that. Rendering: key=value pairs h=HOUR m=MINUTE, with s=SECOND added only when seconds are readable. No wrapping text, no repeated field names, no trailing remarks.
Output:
h=5 m=20 s=53
